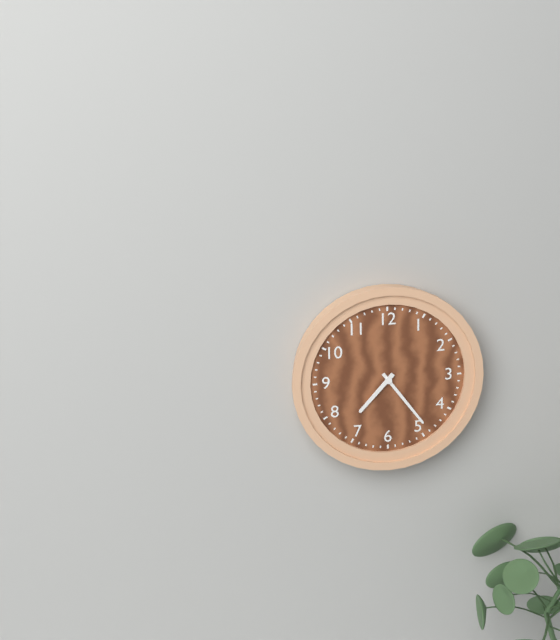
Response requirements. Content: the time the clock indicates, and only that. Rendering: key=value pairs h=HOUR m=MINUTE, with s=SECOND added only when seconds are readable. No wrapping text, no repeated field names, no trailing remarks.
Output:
h=7 m=24
